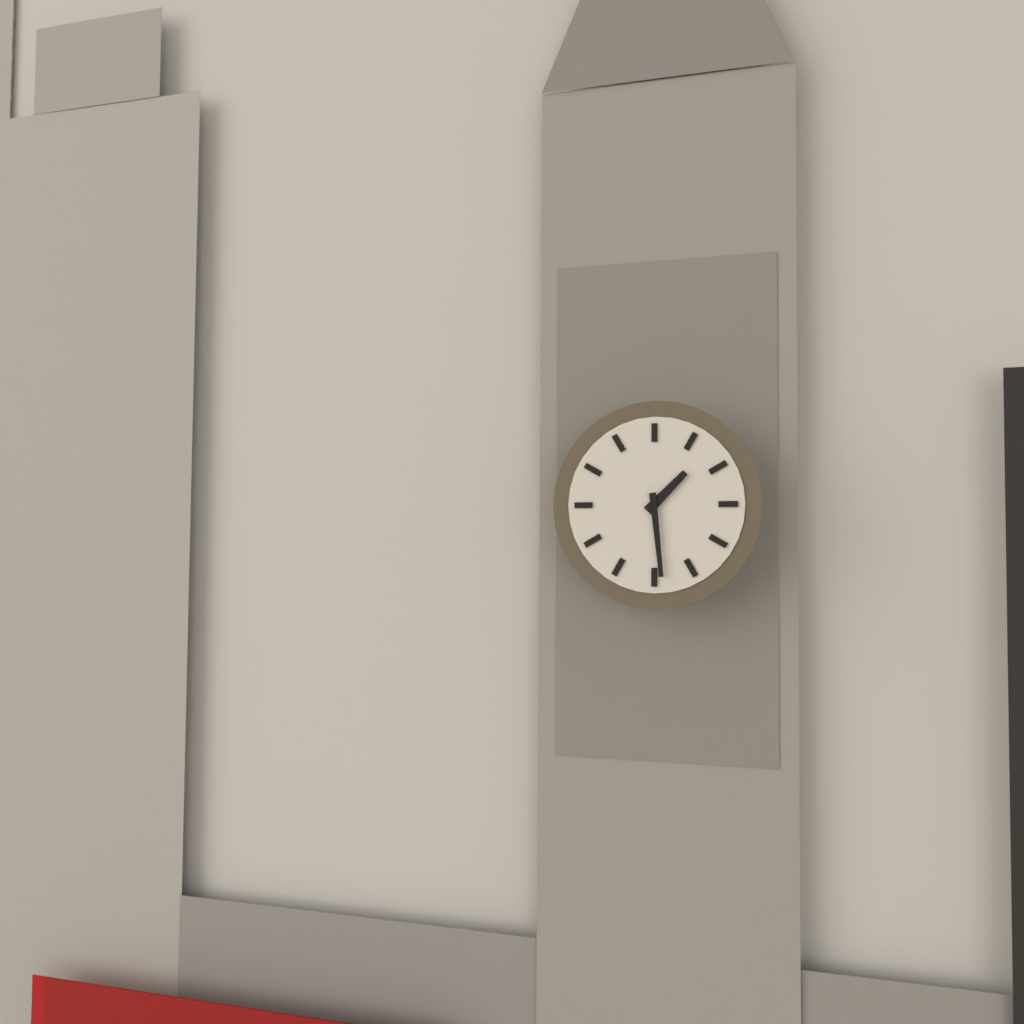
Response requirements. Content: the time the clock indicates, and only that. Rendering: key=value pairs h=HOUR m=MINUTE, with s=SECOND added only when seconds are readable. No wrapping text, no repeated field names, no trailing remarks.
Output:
h=1 m=29
